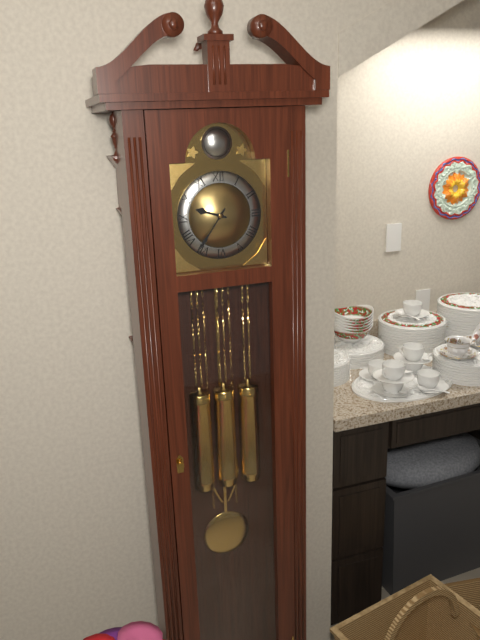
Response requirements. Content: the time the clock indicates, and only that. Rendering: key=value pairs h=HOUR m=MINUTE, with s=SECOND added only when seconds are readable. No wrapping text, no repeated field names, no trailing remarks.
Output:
h=9 m=36
